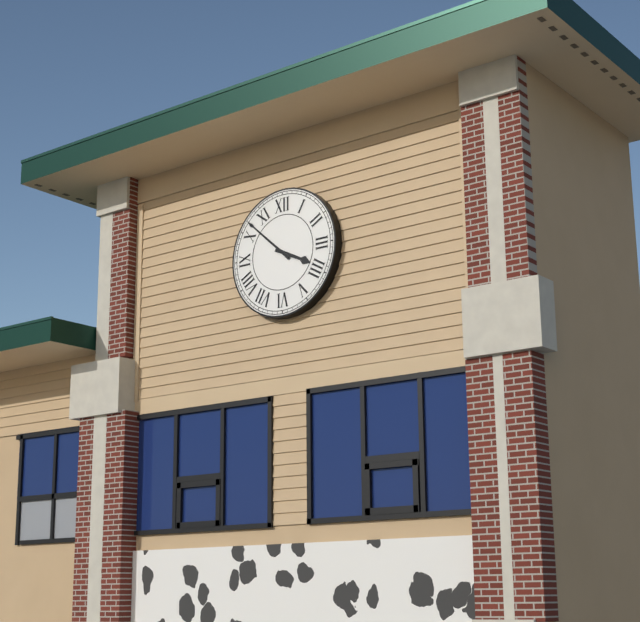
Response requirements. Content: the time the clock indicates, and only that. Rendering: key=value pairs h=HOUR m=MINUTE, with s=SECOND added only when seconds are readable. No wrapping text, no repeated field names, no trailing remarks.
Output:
h=3 m=52
